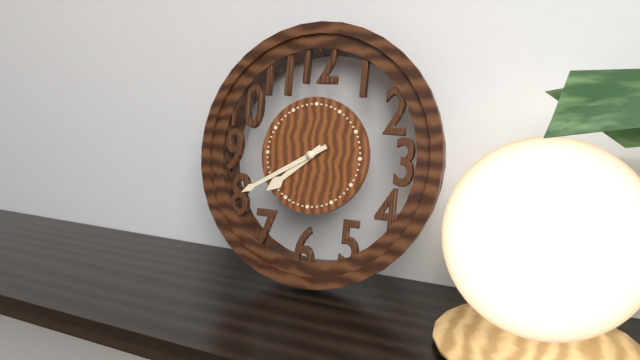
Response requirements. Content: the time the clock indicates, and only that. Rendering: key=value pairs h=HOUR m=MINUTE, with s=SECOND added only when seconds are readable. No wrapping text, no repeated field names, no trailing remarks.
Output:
h=7 m=40
